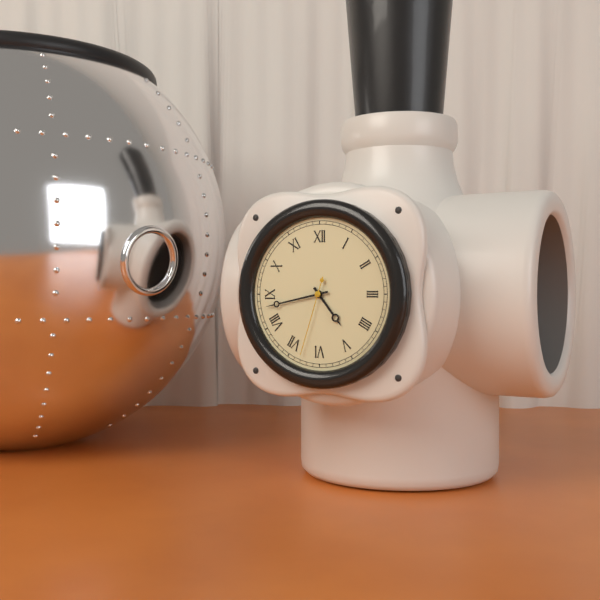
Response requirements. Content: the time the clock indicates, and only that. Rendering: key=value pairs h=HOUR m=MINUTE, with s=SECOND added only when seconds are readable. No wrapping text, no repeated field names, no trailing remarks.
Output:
h=4 m=43 s=33
